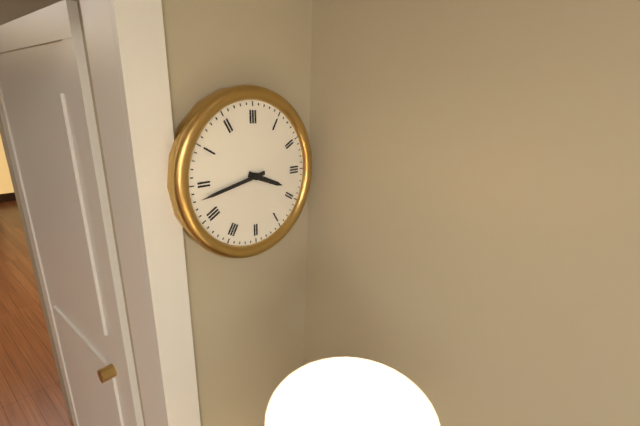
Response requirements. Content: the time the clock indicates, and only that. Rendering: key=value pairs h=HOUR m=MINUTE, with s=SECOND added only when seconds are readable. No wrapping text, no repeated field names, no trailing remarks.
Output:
h=3 m=43
